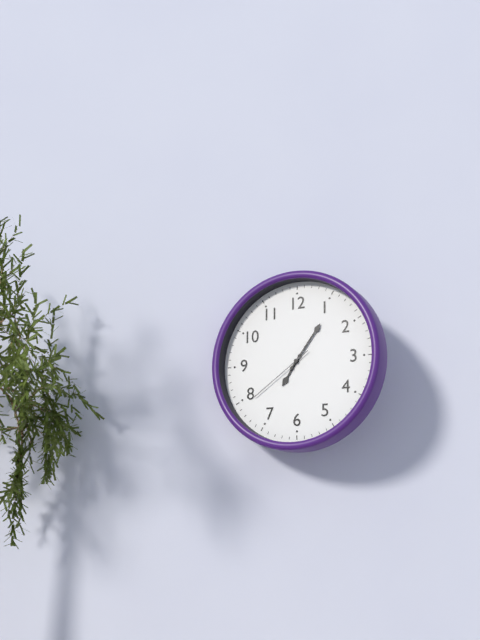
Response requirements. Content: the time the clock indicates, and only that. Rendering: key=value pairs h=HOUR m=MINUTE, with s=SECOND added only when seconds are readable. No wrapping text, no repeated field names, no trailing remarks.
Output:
h=7 m=6 s=39
